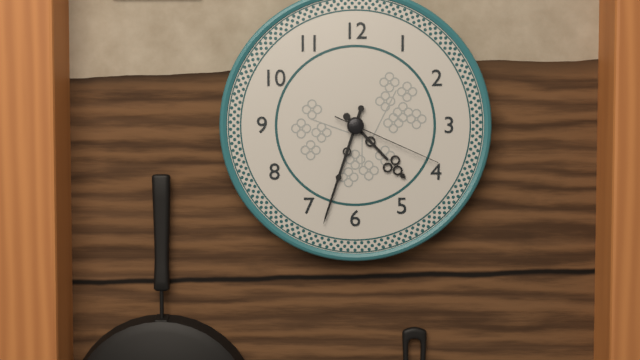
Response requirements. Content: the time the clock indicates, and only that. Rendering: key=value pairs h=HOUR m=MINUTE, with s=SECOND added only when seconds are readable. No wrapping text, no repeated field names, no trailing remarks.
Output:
h=4 m=33 s=19
